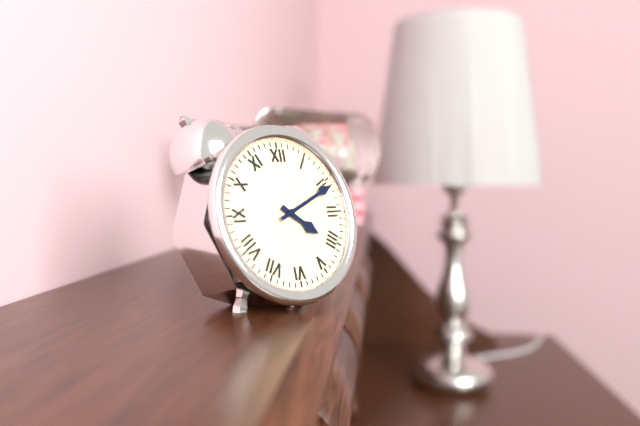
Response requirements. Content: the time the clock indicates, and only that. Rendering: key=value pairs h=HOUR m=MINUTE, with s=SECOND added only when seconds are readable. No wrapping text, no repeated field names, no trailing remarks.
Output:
h=4 m=11
